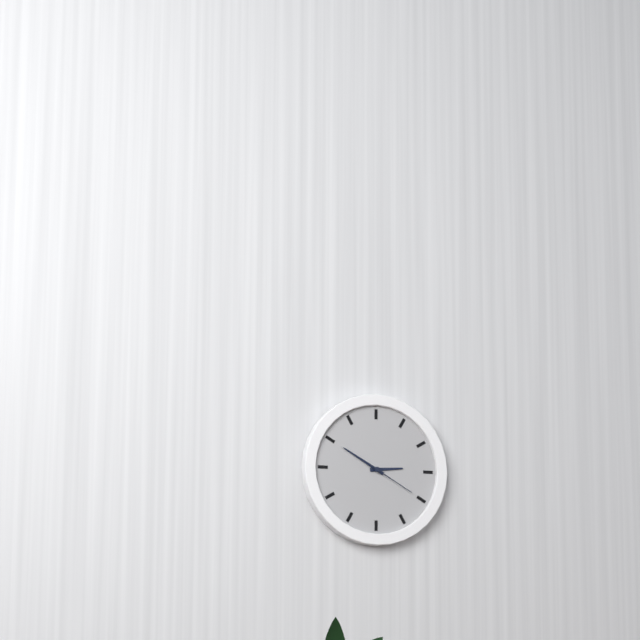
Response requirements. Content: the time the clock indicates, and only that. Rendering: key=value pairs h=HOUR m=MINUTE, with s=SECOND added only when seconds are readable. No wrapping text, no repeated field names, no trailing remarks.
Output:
h=2 m=50 s=20
